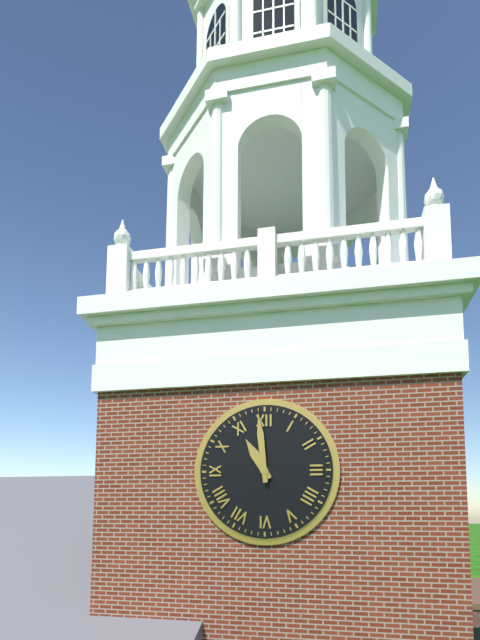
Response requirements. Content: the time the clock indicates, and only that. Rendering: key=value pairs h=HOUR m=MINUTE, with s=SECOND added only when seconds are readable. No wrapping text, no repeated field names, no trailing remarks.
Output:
h=10 m=59
